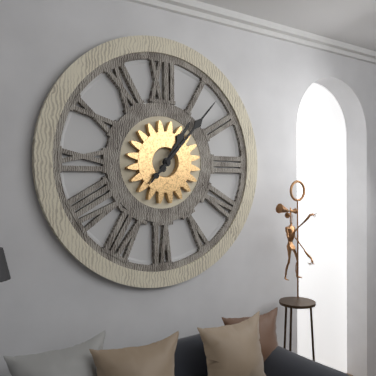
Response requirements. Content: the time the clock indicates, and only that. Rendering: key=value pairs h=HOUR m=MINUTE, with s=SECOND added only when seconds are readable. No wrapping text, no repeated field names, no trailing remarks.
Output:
h=1 m=7
